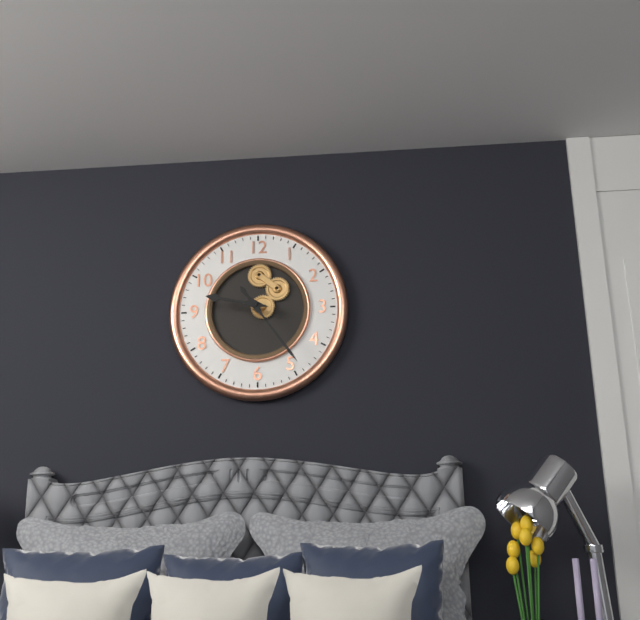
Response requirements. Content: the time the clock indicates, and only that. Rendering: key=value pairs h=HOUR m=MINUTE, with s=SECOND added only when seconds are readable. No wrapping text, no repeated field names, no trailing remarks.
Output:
h=9 m=24
